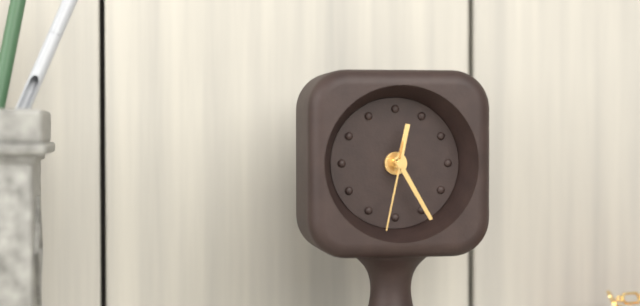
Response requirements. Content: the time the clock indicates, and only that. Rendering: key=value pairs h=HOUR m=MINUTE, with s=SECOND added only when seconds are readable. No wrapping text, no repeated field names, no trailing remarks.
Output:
h=12 m=25 s=32
